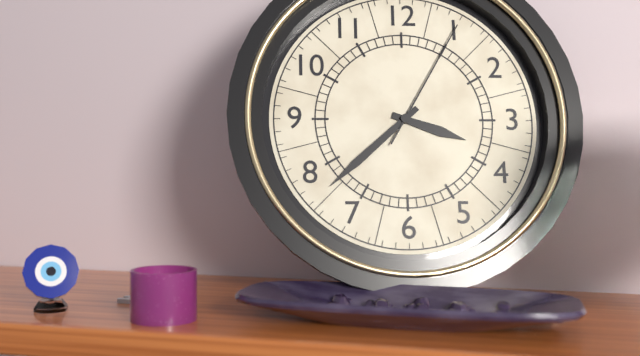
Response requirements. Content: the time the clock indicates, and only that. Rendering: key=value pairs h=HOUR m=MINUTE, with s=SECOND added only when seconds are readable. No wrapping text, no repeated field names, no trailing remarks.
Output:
h=3 m=38 s=5
